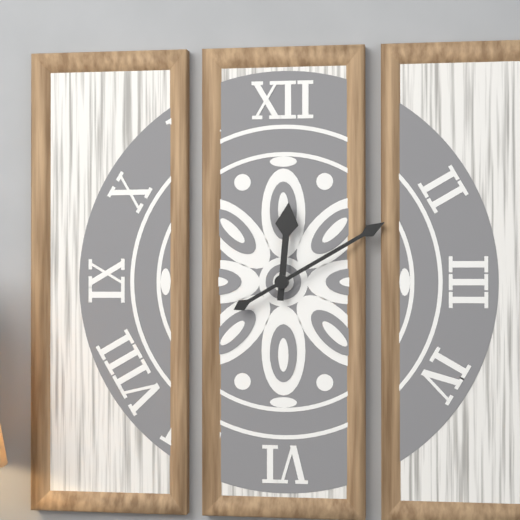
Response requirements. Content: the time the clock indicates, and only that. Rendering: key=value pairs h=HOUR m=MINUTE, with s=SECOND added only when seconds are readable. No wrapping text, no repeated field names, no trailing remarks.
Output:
h=12 m=10
